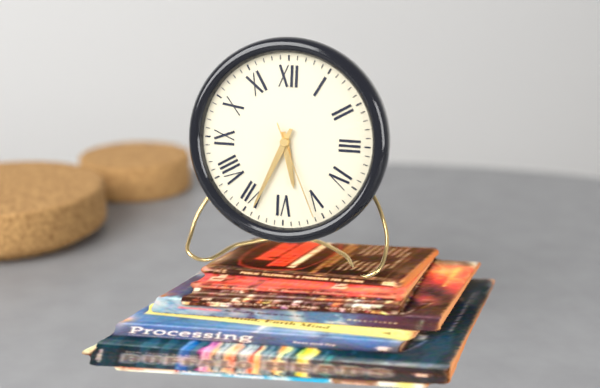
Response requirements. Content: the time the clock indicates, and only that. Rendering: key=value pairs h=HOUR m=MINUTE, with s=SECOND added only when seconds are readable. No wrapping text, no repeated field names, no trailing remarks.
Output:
h=5 m=34 s=26
